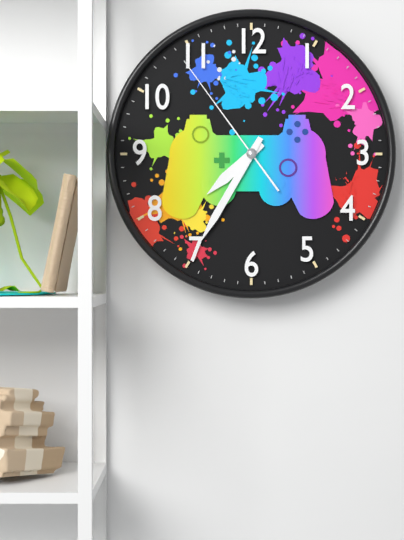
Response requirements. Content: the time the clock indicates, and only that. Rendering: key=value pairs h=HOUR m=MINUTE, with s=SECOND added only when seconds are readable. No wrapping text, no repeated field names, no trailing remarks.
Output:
h=7 m=35 s=54
